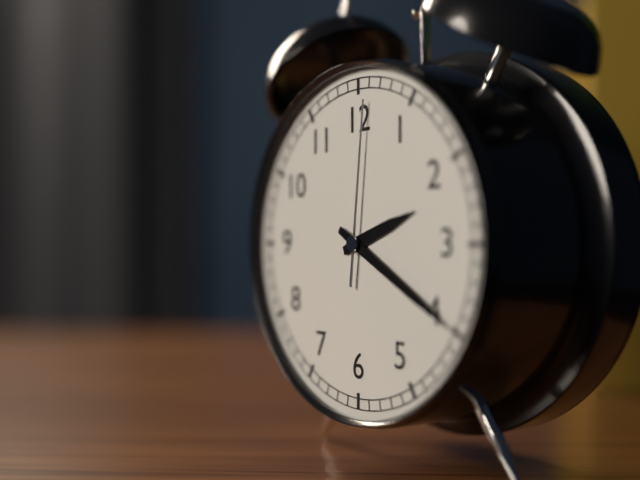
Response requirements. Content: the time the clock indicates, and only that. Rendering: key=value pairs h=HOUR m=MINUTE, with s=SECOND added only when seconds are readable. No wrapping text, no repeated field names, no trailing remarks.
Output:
h=2 m=20 s=1
